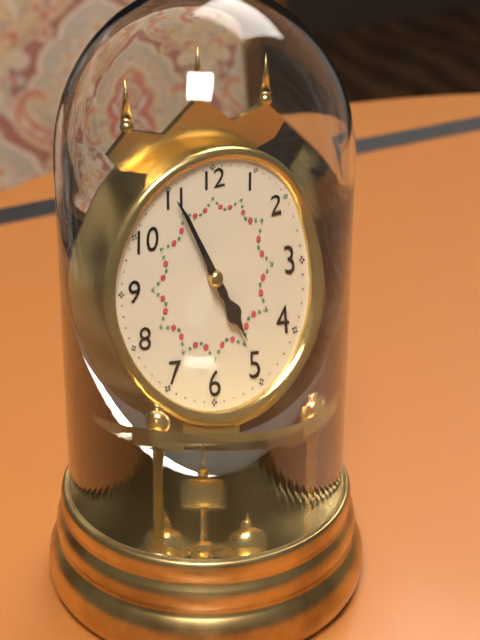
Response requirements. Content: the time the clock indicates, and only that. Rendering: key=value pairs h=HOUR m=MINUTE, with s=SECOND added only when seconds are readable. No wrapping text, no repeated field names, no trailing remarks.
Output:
h=4 m=55
